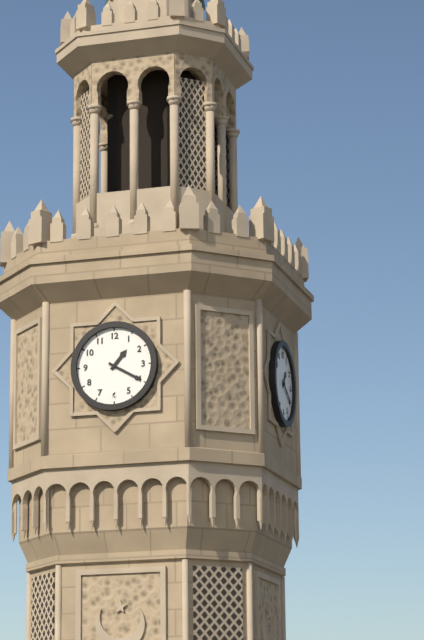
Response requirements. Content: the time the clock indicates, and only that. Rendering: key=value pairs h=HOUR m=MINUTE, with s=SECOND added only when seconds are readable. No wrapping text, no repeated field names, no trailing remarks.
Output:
h=1 m=20
